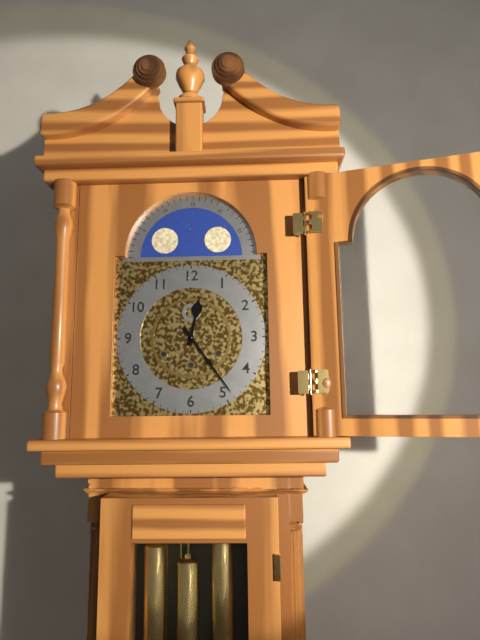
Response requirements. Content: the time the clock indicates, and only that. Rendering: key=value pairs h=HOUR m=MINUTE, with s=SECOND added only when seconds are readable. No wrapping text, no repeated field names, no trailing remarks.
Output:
h=12 m=24
